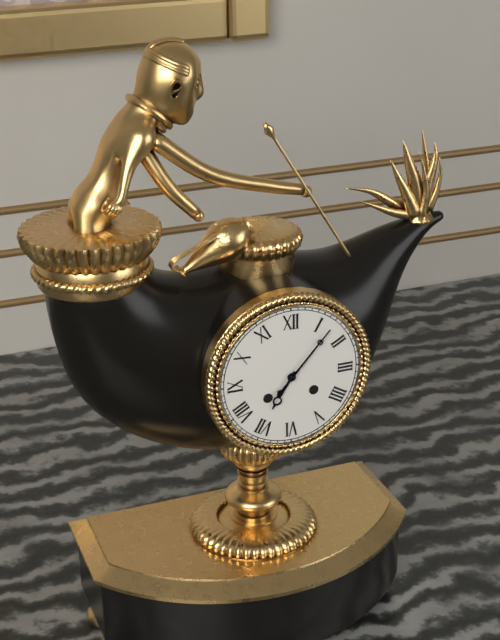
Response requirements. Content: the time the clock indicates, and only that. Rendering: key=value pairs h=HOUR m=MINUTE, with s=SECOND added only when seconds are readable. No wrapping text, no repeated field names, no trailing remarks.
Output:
h=7 m=7
